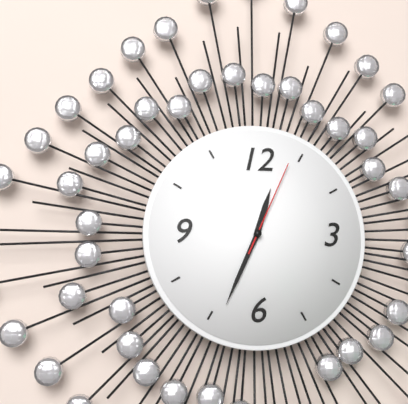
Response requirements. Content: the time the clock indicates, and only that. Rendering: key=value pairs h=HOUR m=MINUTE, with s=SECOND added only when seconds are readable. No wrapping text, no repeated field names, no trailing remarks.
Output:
h=12 m=34 s=4
